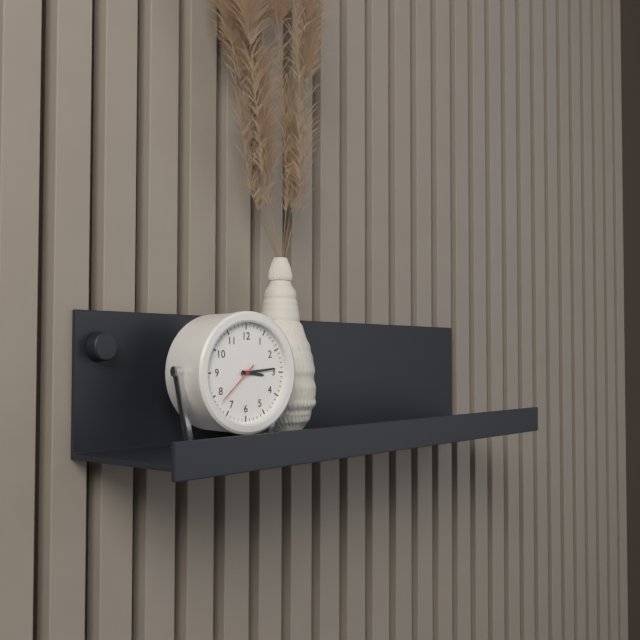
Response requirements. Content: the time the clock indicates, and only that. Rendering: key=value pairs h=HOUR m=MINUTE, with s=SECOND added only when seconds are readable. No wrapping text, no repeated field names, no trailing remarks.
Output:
h=3 m=14
